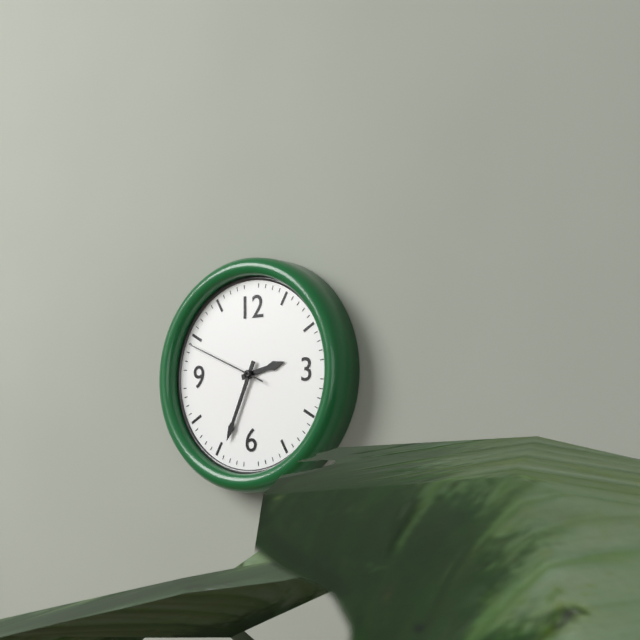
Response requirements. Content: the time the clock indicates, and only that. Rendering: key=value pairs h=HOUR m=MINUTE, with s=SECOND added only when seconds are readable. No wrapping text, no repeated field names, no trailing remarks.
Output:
h=2 m=34 s=49
